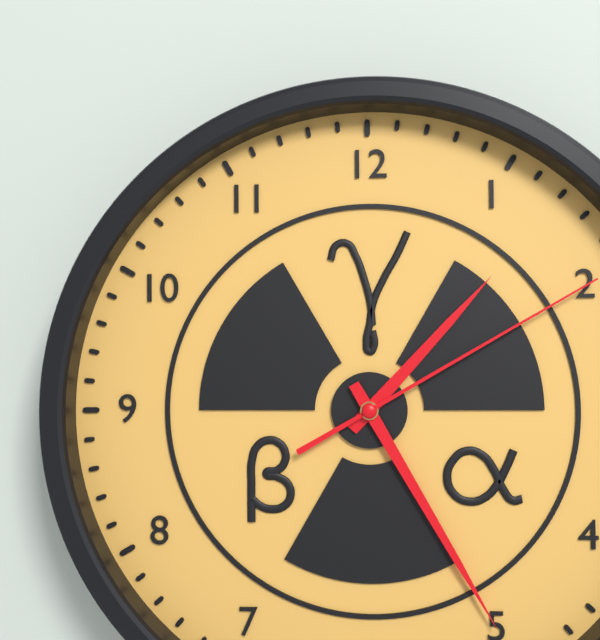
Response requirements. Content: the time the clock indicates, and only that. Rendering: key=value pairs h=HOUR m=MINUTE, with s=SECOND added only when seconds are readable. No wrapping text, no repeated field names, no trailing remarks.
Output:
h=1 m=25 s=10
